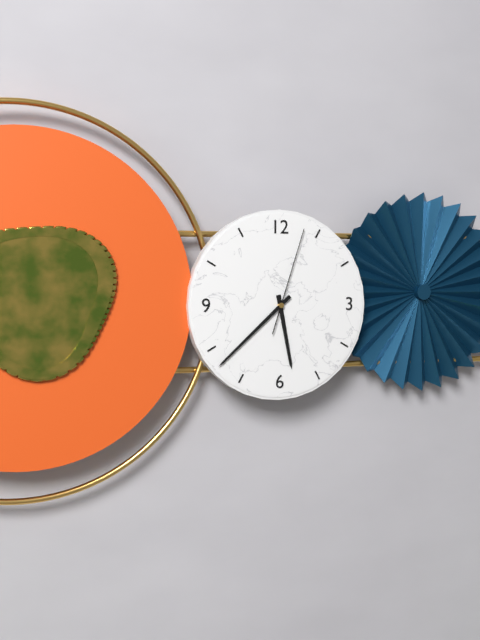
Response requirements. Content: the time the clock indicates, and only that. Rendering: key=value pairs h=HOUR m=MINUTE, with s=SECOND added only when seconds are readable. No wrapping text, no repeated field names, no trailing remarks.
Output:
h=5 m=38 s=3
